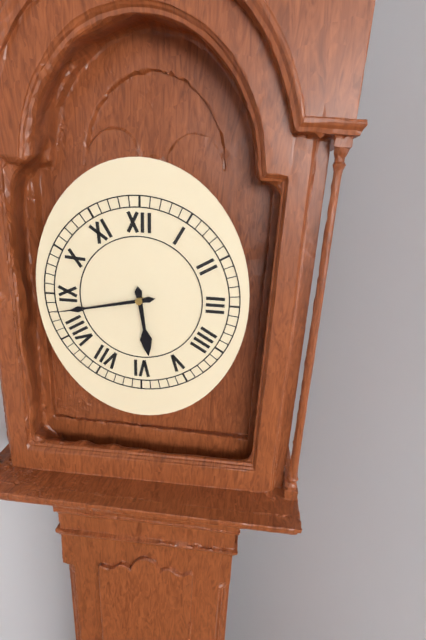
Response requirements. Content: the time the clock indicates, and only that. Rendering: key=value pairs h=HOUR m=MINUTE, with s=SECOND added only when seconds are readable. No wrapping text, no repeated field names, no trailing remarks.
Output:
h=5 m=43
